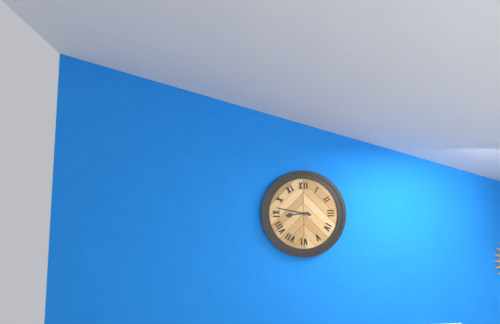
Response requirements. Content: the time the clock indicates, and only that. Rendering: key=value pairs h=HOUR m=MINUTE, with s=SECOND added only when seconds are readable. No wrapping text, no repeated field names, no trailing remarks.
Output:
h=8 m=47
